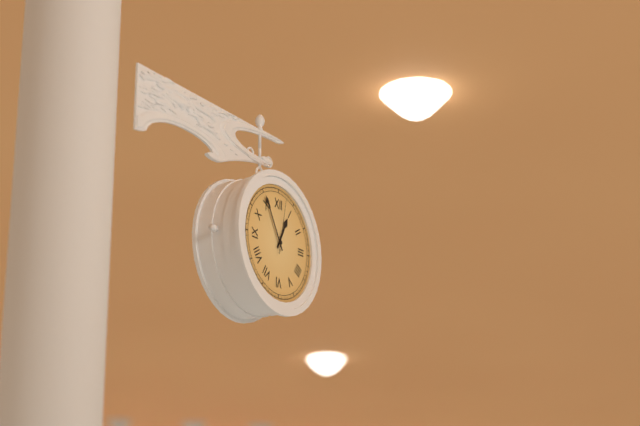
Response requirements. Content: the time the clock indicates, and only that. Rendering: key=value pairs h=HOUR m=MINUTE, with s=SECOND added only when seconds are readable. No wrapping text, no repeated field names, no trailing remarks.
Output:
h=12 m=55 s=2
